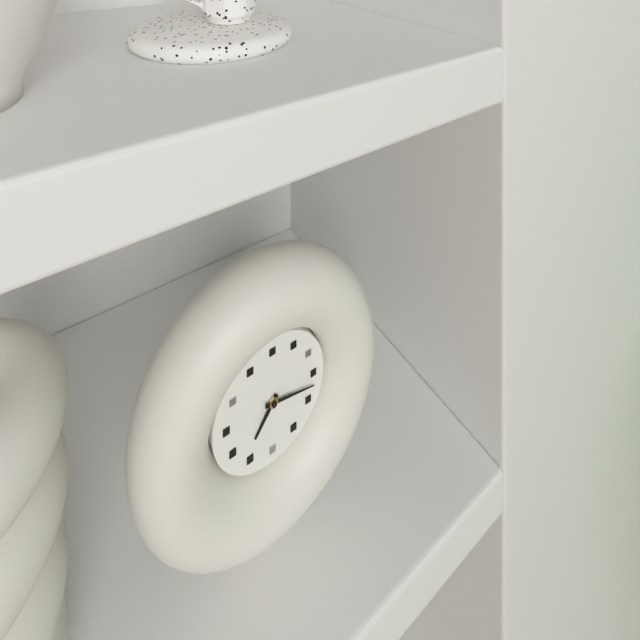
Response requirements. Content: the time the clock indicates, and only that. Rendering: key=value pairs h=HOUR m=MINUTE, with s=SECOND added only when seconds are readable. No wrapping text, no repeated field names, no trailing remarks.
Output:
h=7 m=17
